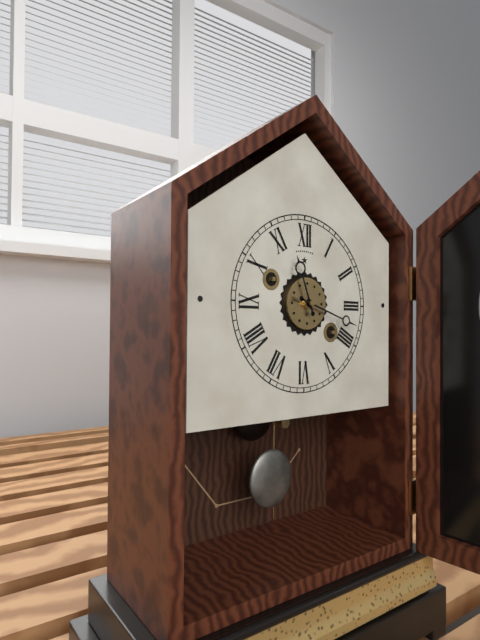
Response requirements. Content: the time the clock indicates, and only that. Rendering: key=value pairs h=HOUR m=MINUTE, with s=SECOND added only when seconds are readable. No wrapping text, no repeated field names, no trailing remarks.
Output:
h=11 m=18
